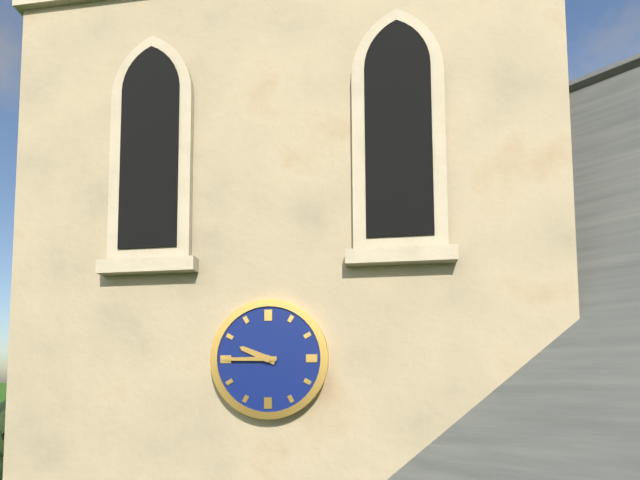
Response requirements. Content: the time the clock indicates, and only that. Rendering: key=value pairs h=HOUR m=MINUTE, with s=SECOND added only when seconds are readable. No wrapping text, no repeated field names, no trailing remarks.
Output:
h=9 m=45
